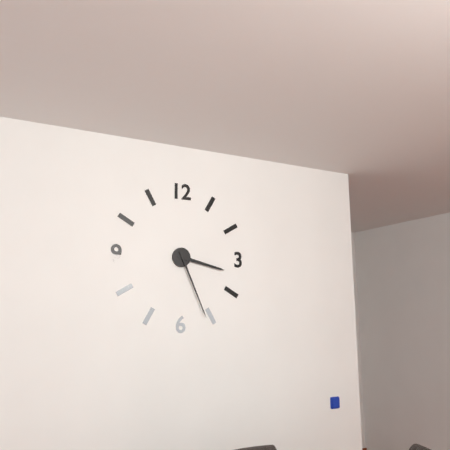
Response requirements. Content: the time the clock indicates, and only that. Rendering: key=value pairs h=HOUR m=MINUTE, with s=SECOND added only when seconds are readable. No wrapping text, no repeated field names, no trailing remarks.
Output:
h=3 m=26
